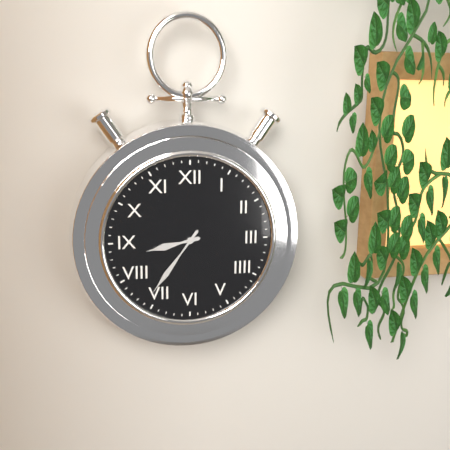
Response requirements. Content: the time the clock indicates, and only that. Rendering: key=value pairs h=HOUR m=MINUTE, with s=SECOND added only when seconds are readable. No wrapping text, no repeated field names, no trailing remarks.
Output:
h=8 m=36
